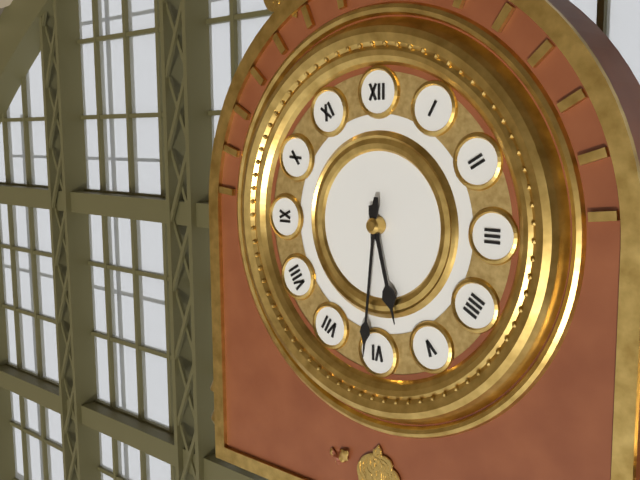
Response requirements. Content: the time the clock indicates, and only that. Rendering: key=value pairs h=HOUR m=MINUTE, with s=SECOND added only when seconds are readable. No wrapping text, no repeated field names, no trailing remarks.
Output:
h=5 m=31
